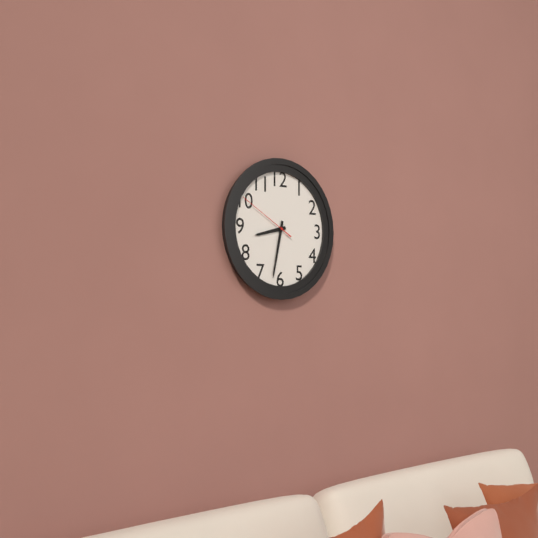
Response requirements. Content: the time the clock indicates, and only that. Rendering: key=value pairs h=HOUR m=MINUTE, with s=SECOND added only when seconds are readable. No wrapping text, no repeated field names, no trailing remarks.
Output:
h=8 m=32 s=50
